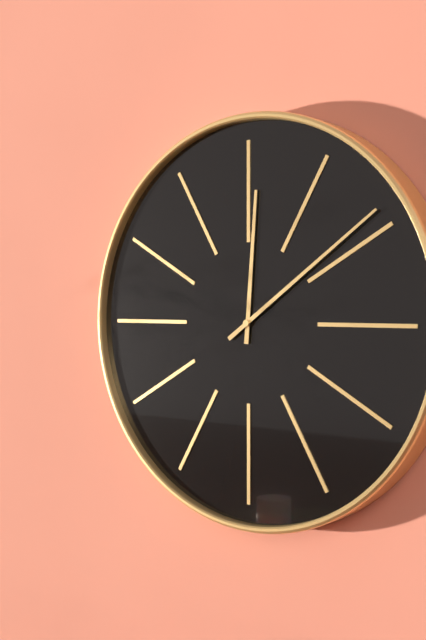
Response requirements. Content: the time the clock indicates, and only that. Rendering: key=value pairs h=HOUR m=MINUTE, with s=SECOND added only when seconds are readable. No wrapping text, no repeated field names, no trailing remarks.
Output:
h=12 m=9
